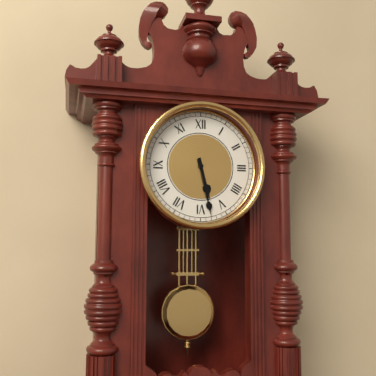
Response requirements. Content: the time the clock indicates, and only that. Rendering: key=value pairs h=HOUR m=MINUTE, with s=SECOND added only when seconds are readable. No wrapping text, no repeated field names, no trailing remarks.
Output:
h=5 m=28
